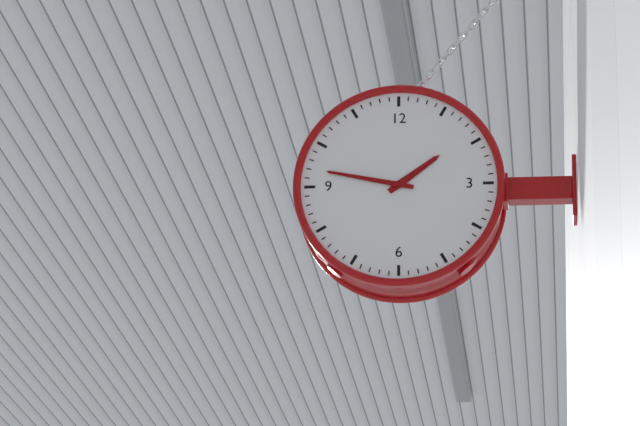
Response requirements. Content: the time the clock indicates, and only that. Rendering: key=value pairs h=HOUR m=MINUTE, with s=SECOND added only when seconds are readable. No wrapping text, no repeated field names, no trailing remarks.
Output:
h=1 m=47
